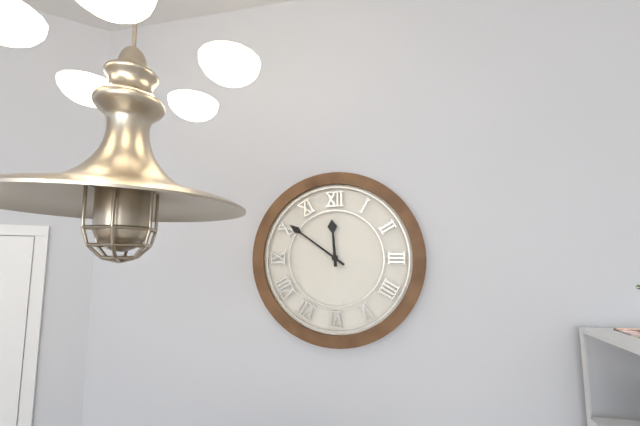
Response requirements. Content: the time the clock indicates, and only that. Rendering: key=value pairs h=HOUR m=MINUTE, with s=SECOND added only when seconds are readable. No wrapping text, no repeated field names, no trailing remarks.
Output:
h=11 m=51
